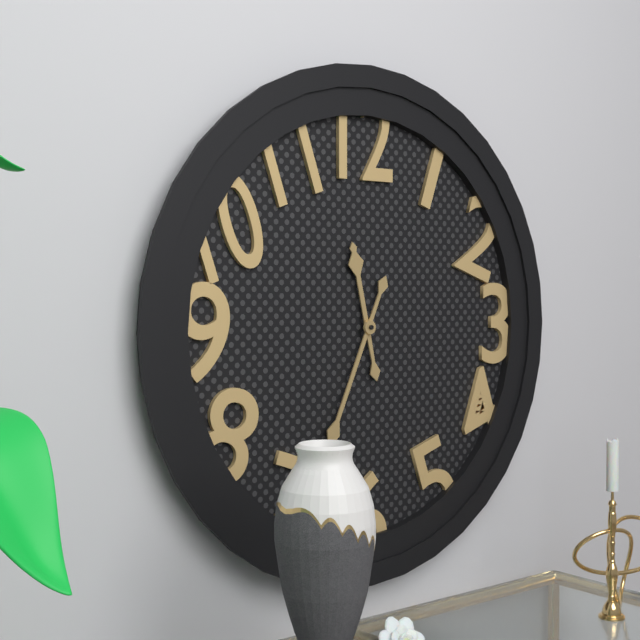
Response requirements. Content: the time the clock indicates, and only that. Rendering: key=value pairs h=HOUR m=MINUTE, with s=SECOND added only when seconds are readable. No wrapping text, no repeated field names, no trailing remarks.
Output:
h=11 m=34
